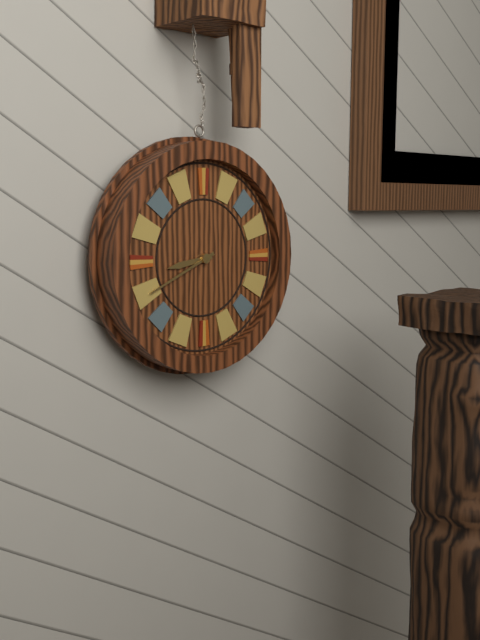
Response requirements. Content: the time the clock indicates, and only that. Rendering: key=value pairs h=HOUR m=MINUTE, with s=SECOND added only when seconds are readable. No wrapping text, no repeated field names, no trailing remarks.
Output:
h=8 m=41
